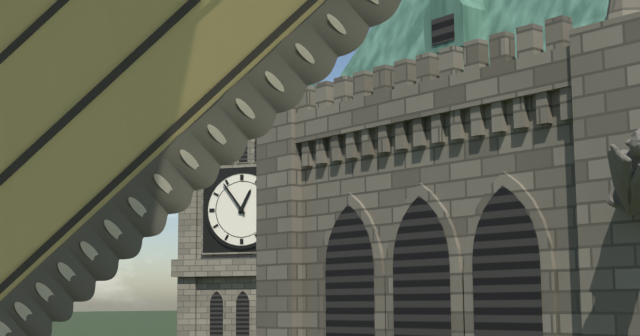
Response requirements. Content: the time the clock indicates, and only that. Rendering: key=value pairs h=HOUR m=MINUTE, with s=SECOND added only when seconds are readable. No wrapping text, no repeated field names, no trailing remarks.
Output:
h=12 m=54
